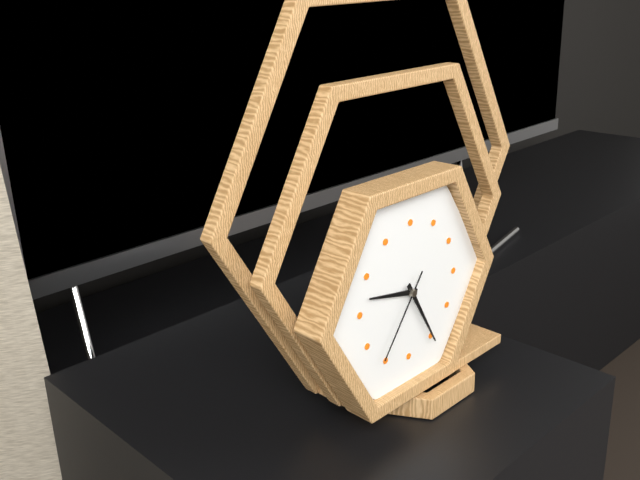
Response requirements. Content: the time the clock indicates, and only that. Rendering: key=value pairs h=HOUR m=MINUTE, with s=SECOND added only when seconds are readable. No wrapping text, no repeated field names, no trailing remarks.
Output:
h=9 m=25 s=36
